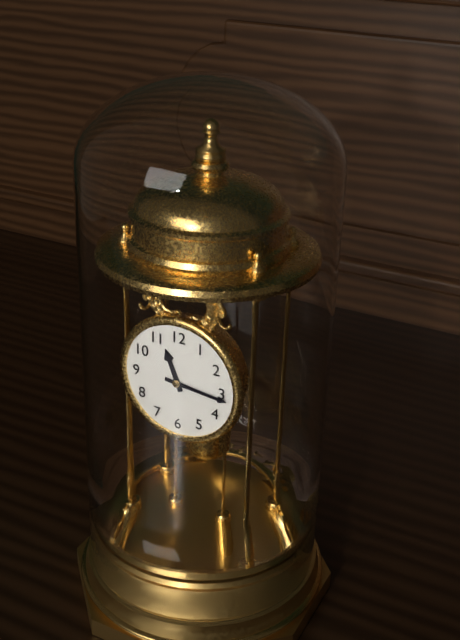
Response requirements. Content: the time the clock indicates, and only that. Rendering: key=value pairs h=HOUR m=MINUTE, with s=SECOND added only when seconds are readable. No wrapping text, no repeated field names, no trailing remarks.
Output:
h=11 m=16
